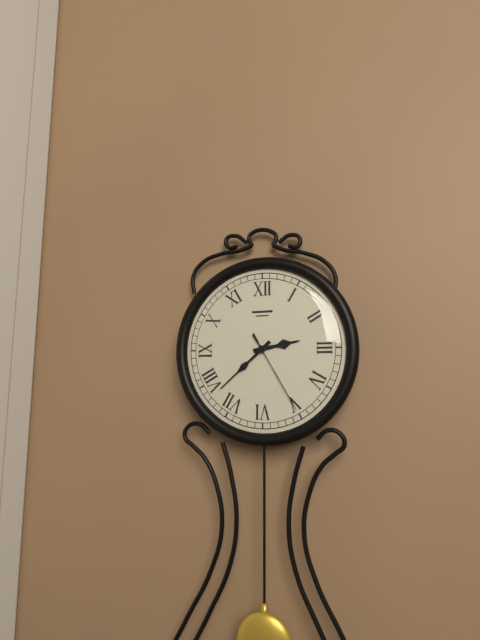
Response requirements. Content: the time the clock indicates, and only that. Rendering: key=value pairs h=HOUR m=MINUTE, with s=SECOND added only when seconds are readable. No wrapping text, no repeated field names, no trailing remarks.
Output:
h=2 m=38 s=25
